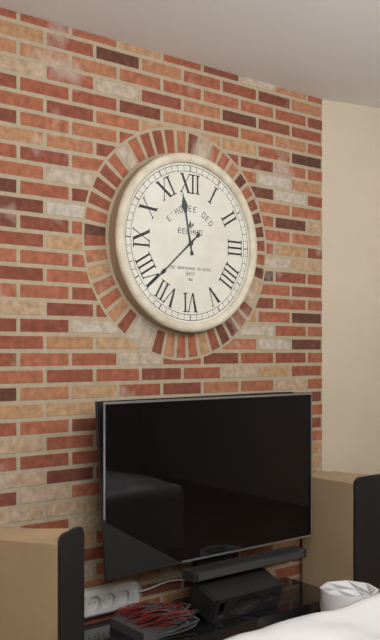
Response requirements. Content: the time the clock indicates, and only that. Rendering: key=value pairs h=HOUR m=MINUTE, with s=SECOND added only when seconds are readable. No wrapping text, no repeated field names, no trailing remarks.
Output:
h=11 m=38
